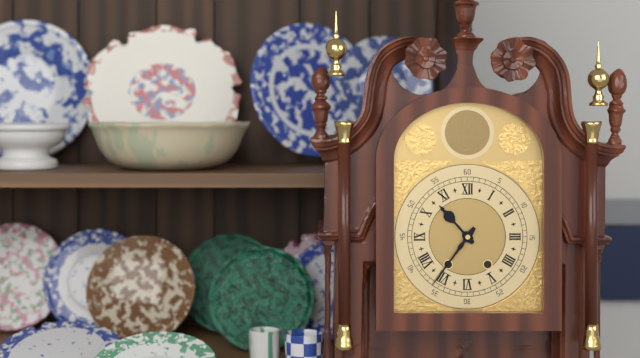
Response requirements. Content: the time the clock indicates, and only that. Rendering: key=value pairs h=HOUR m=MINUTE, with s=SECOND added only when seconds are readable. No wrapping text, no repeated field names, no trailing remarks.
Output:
h=10 m=36
